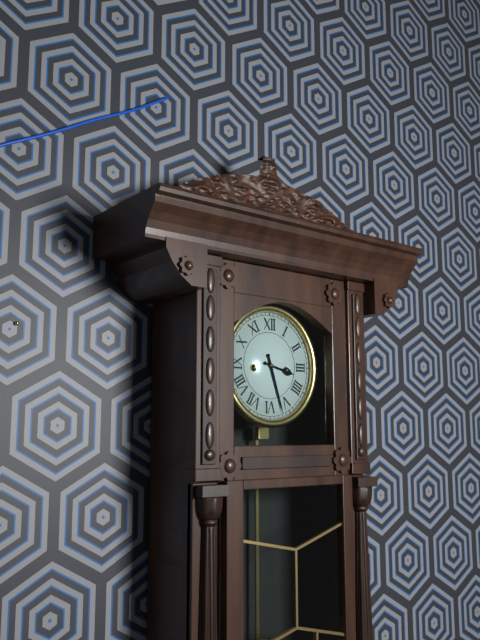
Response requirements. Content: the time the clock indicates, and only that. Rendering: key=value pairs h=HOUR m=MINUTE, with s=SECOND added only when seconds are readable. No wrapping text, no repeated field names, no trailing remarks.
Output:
h=3 m=27
